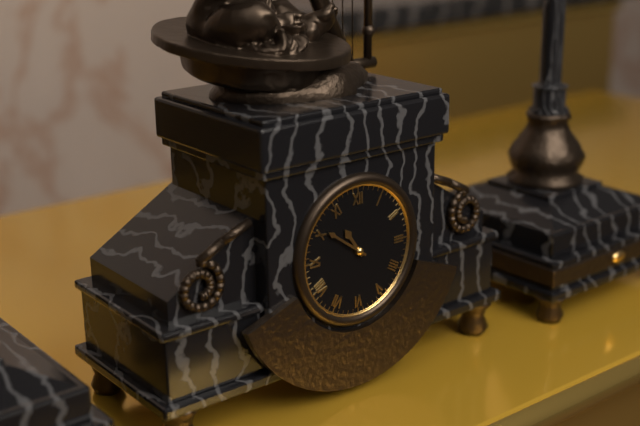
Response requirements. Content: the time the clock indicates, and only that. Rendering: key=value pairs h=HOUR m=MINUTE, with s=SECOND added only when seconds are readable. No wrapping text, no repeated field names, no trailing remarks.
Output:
h=10 m=51
